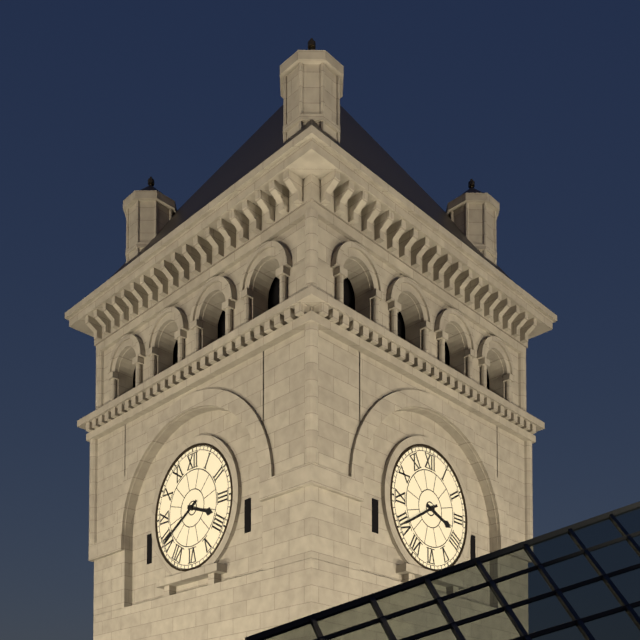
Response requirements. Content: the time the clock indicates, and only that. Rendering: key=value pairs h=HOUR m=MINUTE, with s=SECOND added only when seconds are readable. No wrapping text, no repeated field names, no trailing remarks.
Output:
h=3 m=40
